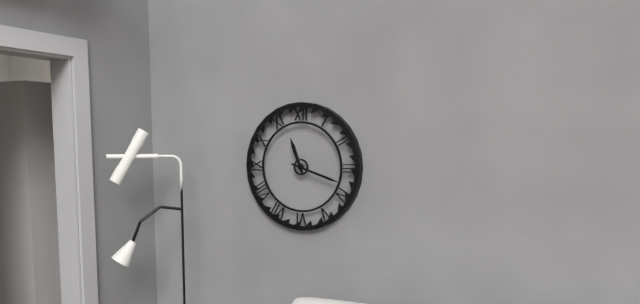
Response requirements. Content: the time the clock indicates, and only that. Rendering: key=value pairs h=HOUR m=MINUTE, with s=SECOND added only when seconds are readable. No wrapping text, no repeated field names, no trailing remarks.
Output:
h=11 m=18
